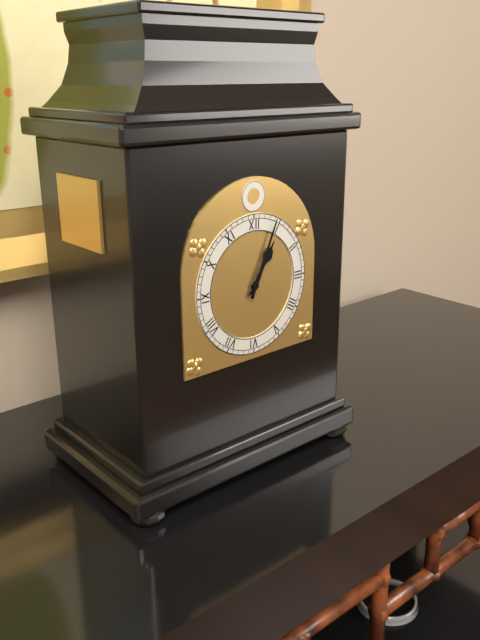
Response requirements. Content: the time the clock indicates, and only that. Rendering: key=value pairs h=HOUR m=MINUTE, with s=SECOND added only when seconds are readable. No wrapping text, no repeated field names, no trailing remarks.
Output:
h=1 m=4
